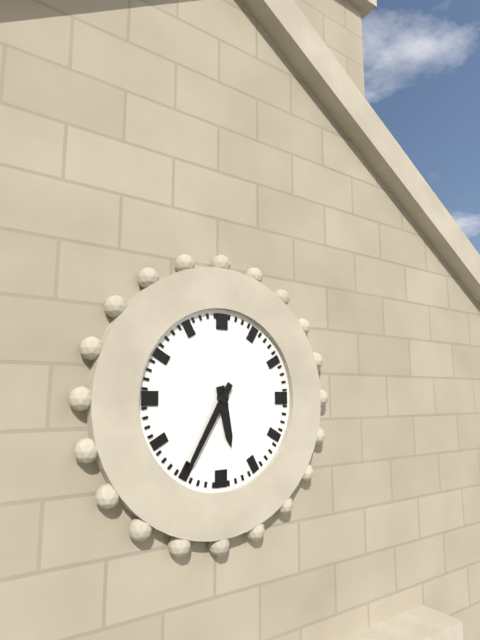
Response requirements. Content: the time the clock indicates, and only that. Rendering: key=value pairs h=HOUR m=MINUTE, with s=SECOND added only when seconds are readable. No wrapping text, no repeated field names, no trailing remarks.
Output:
h=5 m=35
